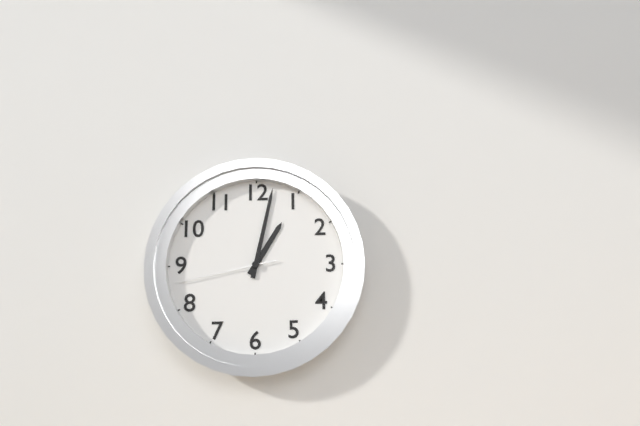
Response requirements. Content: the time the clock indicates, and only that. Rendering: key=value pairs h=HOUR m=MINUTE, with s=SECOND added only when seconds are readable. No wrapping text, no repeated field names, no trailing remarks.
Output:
h=1 m=2 s=43
